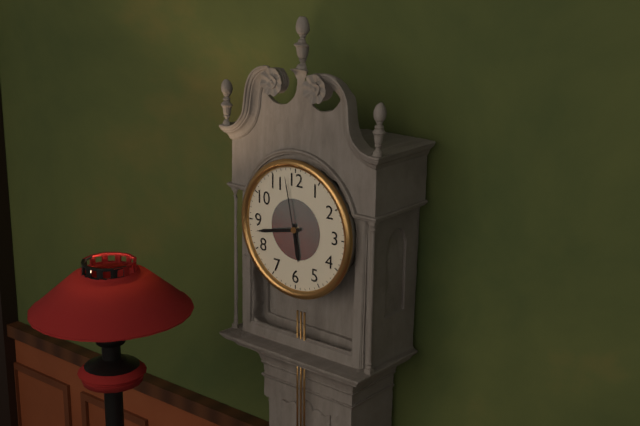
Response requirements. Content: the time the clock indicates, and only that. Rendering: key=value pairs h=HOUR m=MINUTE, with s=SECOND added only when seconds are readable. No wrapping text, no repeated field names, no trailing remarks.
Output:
h=5 m=43 s=58
